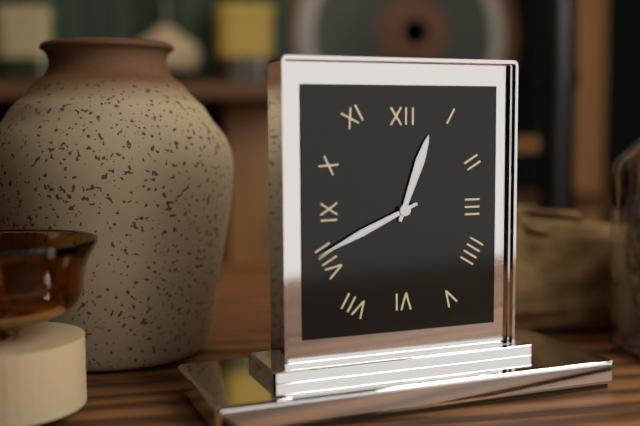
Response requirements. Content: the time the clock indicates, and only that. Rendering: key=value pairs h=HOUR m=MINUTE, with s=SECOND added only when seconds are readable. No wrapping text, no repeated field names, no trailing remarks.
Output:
h=12 m=41
